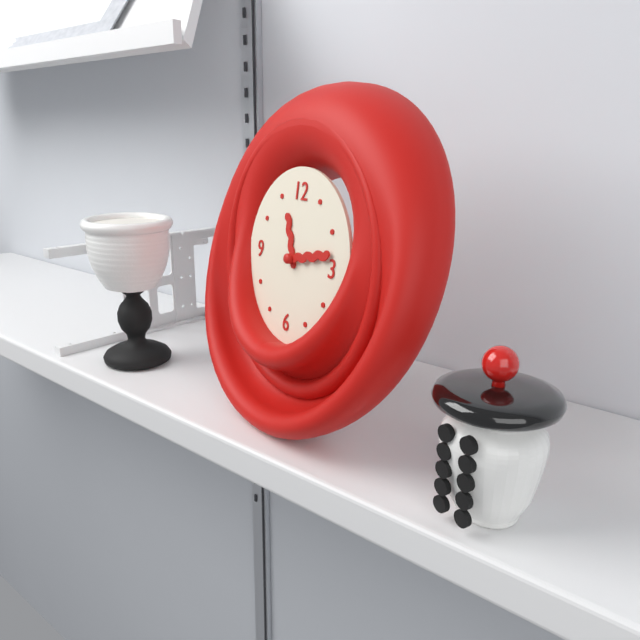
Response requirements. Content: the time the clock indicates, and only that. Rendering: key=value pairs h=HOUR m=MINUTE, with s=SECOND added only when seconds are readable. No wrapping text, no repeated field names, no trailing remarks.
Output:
h=11 m=13
